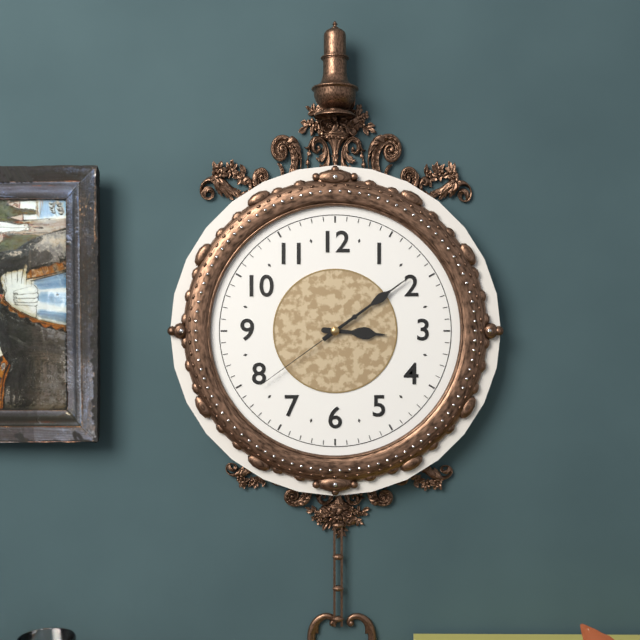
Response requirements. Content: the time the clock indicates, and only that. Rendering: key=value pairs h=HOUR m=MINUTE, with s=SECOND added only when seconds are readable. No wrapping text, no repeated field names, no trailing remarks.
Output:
h=3 m=9 s=39
